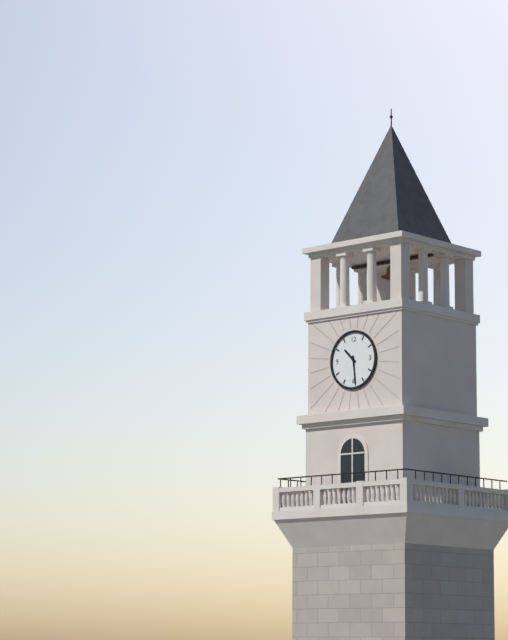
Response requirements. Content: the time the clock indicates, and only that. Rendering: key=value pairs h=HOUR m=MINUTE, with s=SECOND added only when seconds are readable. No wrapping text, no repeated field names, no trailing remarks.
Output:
h=10 m=29
